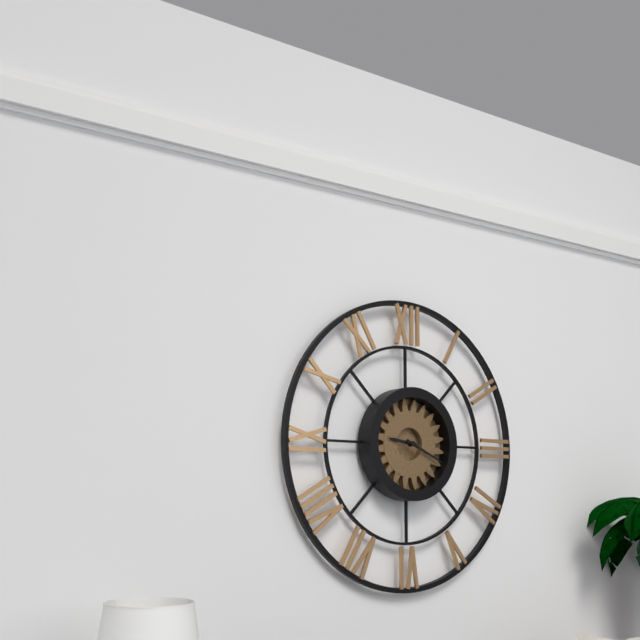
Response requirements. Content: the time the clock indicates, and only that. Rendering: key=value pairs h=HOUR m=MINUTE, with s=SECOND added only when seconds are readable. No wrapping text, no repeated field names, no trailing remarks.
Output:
h=9 m=19
